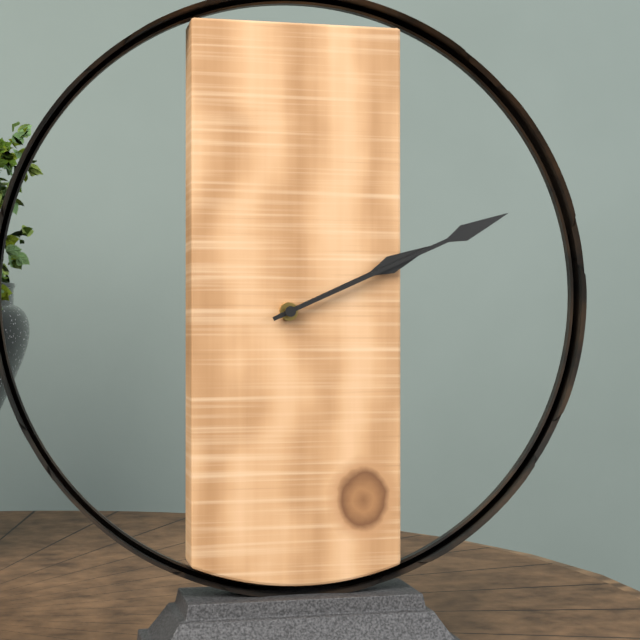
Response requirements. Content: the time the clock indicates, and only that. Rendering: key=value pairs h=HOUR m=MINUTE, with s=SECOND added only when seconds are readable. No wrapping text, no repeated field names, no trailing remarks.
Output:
h=2 m=11
